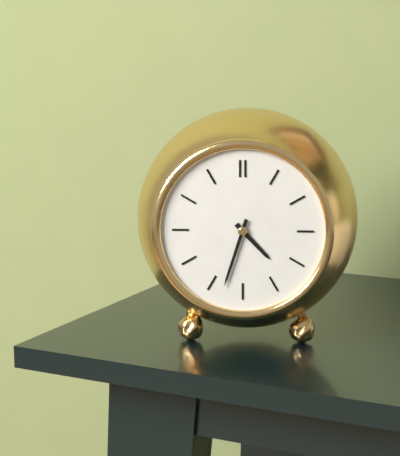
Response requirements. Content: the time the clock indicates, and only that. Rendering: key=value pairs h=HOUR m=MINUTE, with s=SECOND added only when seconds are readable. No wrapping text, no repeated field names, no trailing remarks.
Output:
h=4 m=33
